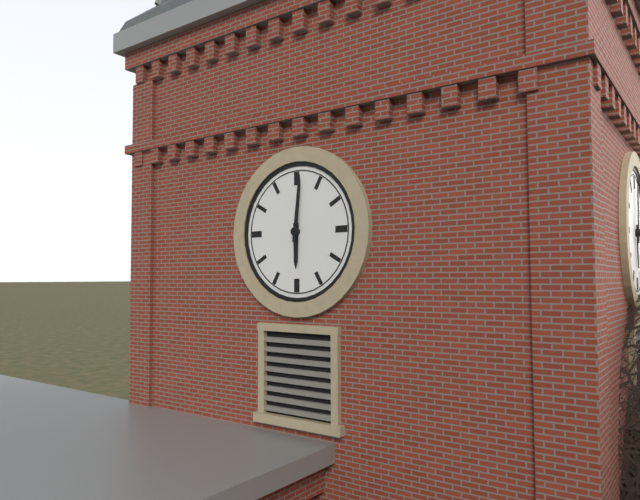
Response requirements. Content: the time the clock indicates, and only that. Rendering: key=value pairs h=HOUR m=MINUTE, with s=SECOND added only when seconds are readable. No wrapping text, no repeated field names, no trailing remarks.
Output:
h=6 m=1
